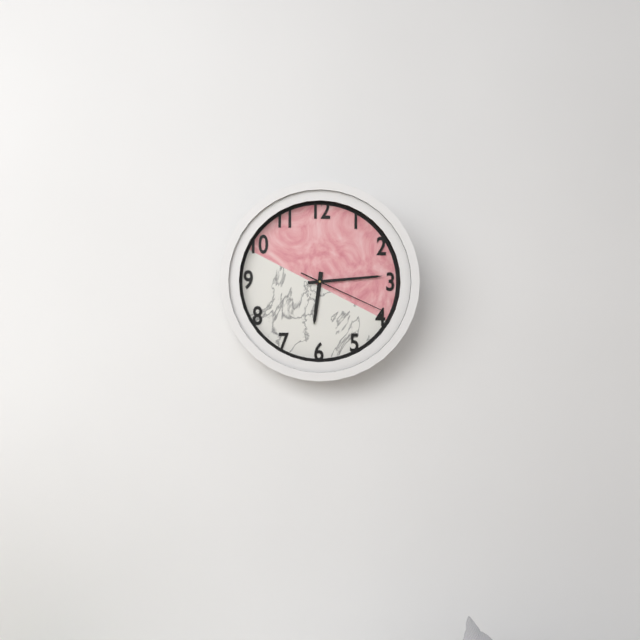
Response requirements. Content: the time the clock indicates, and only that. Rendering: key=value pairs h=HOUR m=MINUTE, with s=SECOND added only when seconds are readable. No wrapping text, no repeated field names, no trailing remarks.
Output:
h=6 m=14 s=19
